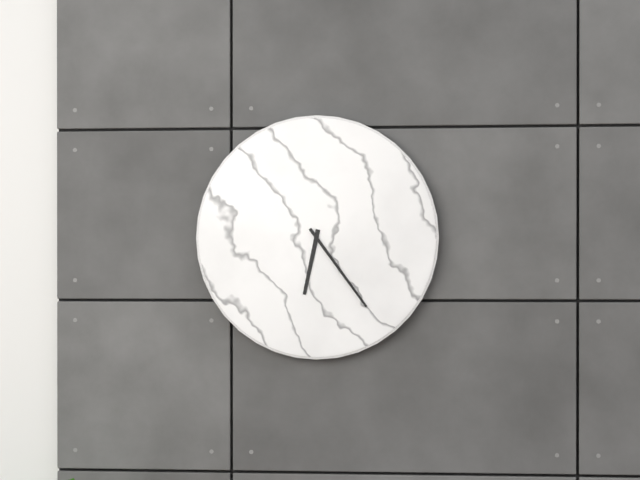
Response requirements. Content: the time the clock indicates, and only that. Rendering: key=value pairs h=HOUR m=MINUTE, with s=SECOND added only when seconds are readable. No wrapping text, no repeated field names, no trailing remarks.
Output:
h=6 m=24
